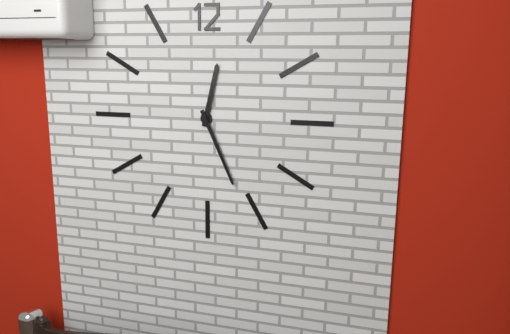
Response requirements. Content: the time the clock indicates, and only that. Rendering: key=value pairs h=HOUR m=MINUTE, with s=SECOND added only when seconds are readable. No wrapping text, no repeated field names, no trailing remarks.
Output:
h=12 m=26
